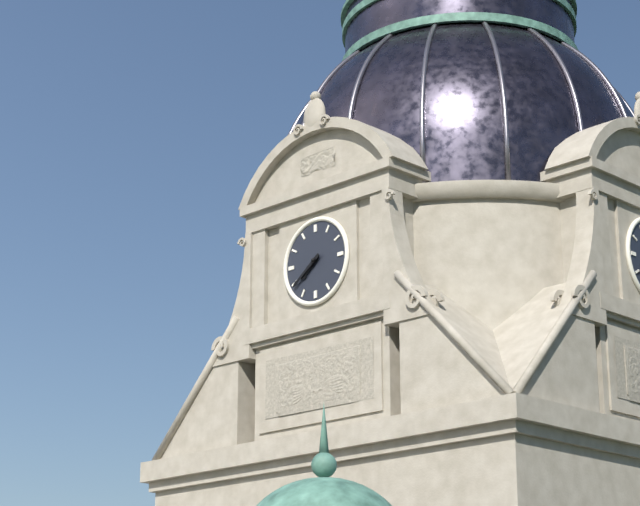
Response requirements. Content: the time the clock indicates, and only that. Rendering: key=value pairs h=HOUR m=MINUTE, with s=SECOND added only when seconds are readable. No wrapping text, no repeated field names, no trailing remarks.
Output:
h=7 m=39
